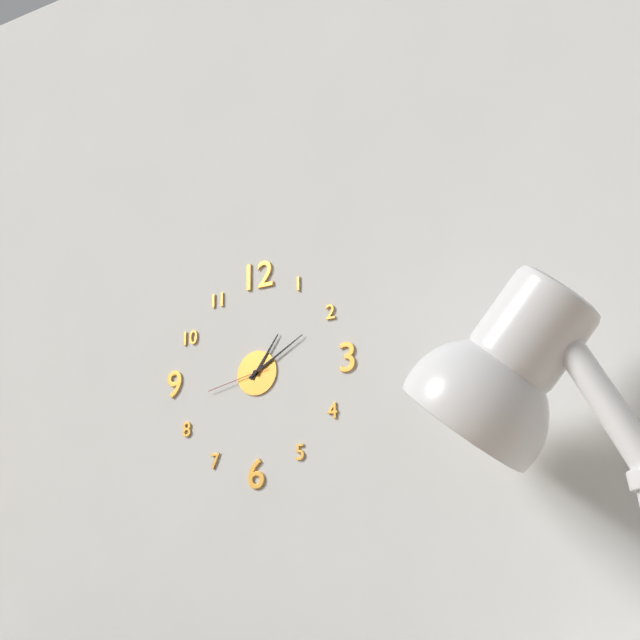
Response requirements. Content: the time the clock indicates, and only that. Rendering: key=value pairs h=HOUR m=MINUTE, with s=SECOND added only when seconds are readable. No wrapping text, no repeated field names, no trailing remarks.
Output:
h=1 m=10 s=43
